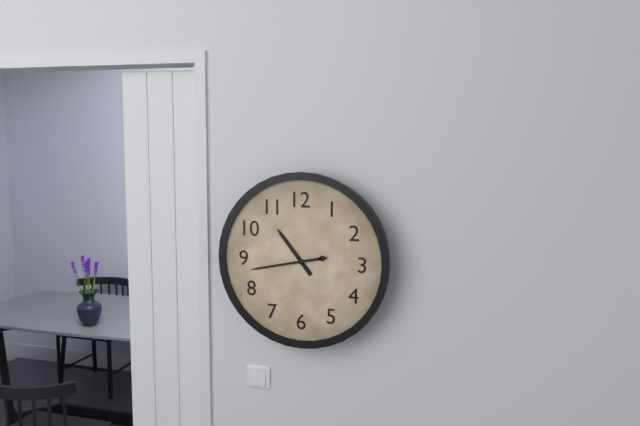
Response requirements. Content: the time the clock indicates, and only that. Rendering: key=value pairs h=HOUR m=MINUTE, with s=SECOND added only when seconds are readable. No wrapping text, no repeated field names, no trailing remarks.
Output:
h=10 m=43
